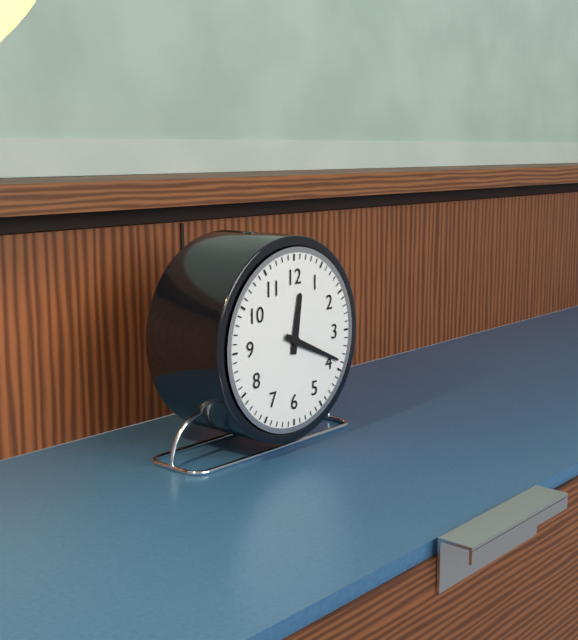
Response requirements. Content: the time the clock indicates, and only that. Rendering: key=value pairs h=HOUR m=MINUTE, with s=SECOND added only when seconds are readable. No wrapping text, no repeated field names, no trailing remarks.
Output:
h=12 m=19
